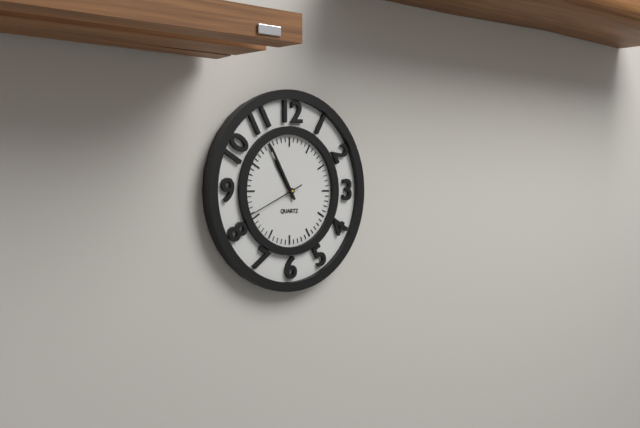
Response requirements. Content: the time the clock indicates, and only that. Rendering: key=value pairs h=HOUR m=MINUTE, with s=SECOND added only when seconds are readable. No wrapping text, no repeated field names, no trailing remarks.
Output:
h=10 m=55 s=41
